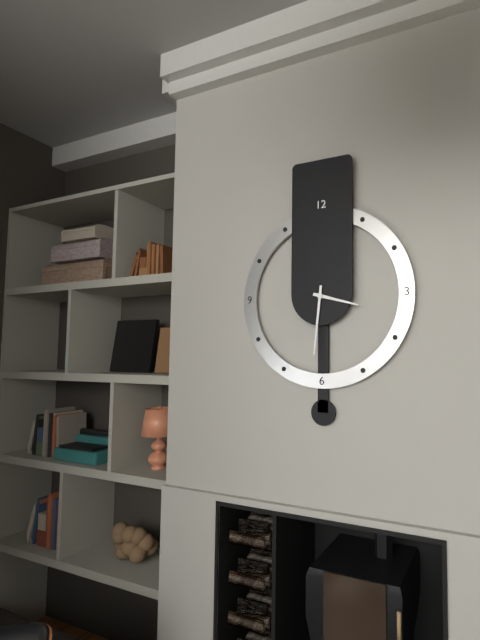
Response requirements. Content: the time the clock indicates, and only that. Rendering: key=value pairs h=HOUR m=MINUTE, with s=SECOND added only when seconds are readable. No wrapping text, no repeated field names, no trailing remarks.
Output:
h=3 m=31
